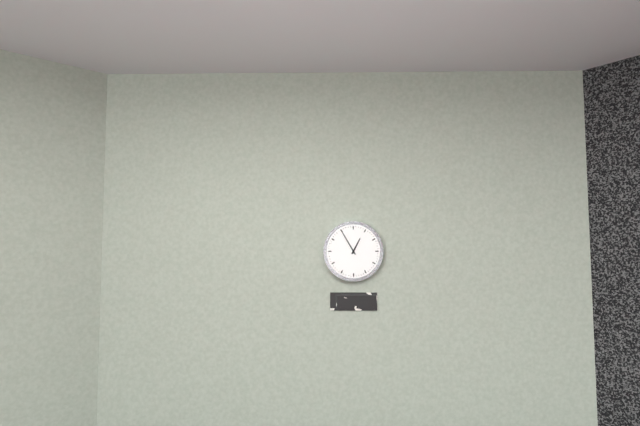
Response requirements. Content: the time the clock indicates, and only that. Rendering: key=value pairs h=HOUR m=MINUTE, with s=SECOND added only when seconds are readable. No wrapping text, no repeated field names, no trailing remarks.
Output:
h=12 m=55
